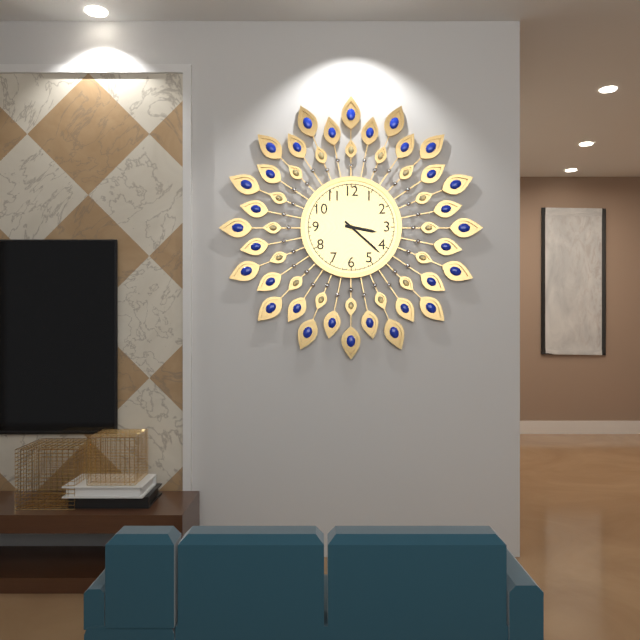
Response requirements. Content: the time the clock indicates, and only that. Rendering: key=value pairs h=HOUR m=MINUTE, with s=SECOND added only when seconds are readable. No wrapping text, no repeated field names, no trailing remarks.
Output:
h=3 m=22
